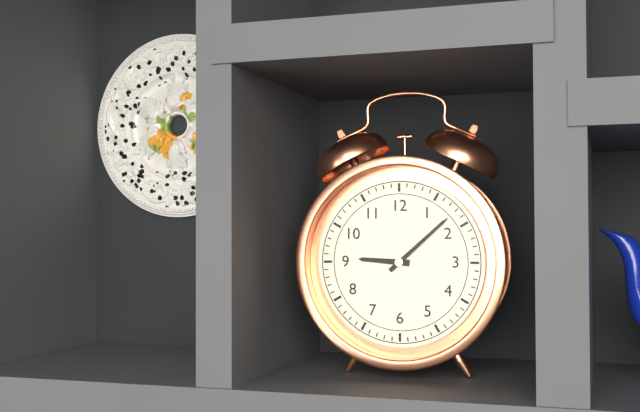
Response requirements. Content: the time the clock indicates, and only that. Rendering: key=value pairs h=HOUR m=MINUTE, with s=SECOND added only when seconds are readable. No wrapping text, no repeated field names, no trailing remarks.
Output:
h=9 m=8
